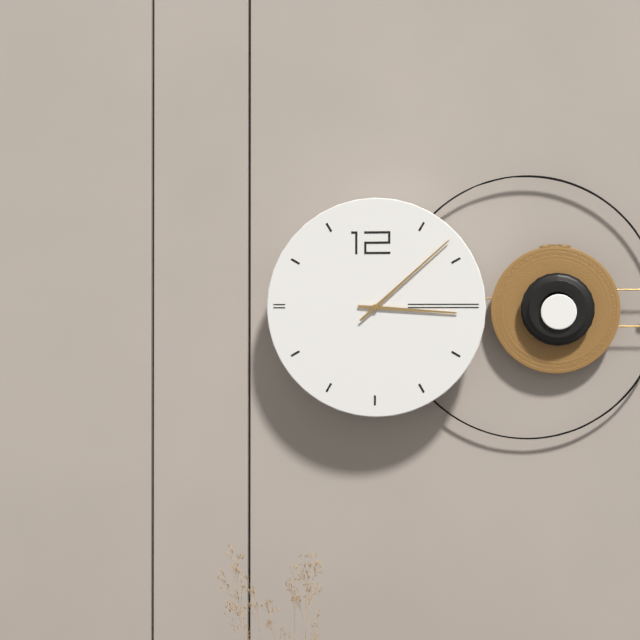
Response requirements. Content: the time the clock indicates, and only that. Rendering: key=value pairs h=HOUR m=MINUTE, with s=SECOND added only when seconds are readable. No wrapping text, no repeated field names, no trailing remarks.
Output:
h=3 m=8
